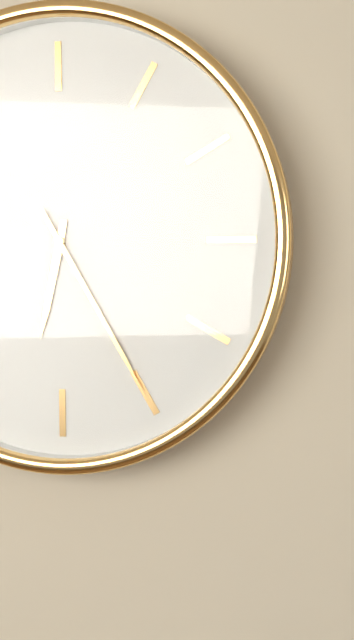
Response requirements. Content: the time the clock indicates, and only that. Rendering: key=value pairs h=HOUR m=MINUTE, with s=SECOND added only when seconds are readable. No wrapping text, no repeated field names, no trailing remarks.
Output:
h=6 m=25
